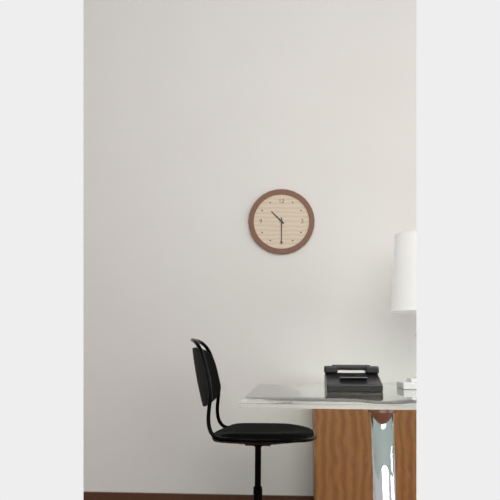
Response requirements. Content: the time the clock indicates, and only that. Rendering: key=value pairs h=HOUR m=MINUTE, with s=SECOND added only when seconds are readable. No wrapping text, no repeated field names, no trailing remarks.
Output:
h=10 m=30
